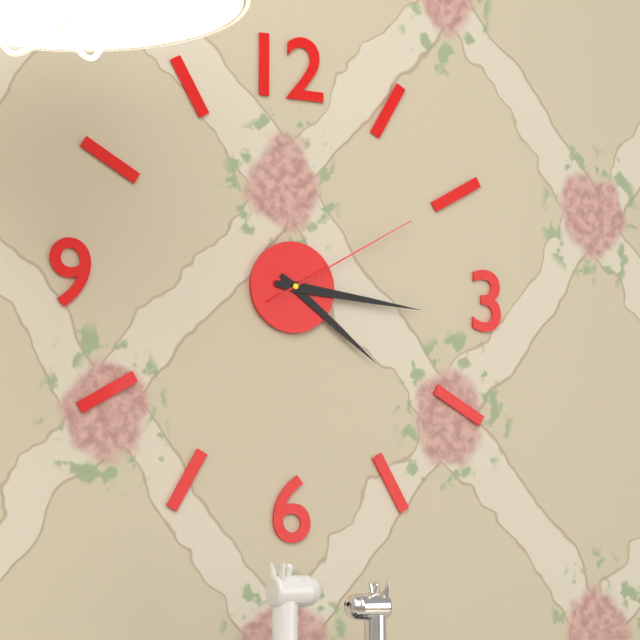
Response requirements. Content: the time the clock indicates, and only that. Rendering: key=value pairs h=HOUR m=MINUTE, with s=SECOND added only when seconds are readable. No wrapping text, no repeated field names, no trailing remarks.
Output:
h=4 m=16 s=10
